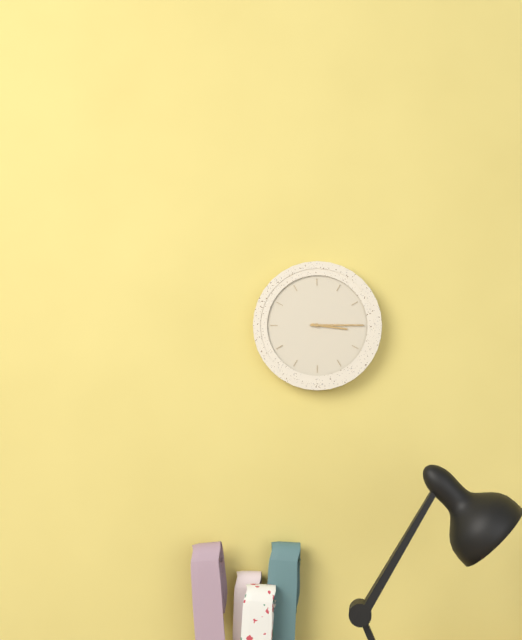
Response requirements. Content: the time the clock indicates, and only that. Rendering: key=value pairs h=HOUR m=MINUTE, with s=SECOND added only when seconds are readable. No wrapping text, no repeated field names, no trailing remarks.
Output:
h=3 m=15
